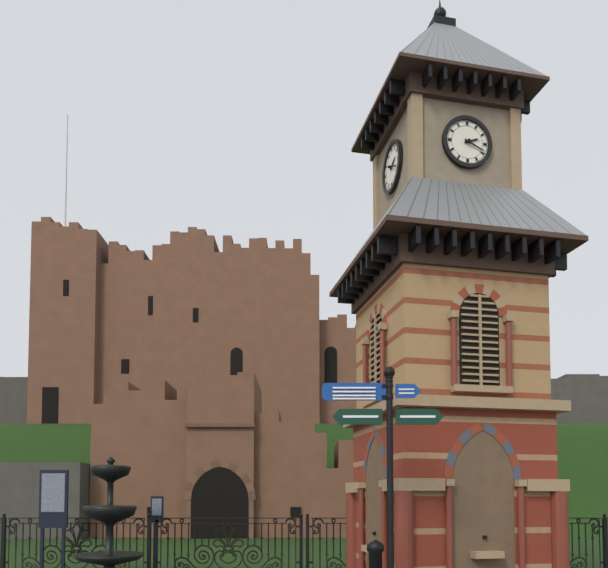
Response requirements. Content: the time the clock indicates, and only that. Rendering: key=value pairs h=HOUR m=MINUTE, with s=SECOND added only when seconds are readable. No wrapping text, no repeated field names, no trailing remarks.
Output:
h=2 m=19
